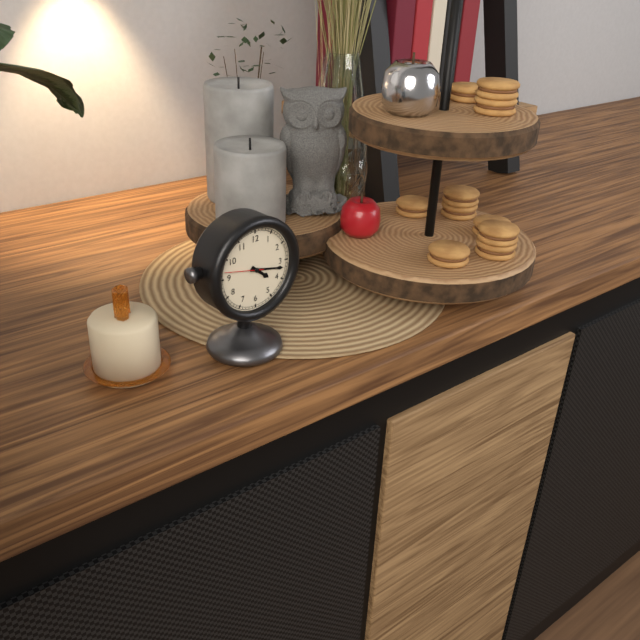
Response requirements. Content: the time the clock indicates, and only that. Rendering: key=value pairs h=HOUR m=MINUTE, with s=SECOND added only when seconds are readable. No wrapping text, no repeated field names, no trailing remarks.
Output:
h=4 m=17
